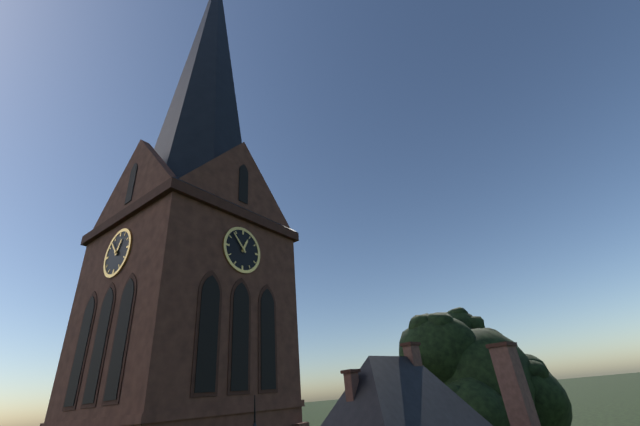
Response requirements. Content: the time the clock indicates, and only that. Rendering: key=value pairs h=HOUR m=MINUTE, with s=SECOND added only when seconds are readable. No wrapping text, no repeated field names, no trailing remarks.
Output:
h=12 m=53
